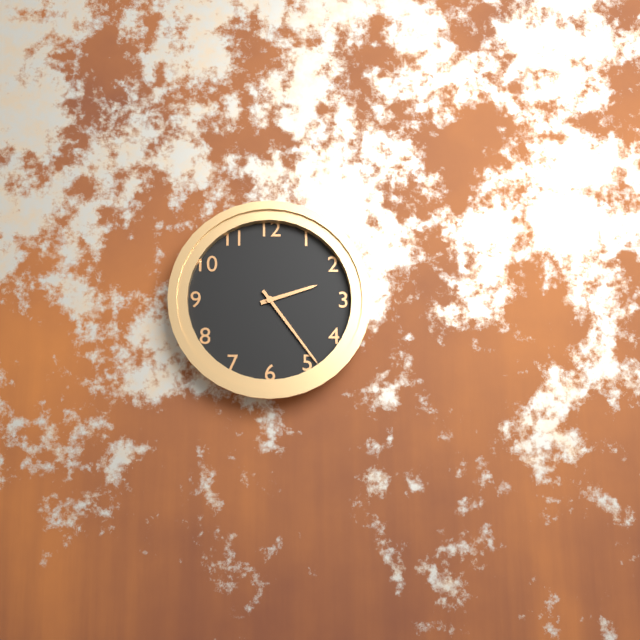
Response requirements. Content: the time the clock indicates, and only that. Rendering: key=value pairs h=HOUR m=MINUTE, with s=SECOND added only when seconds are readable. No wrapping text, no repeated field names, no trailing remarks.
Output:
h=2 m=24
